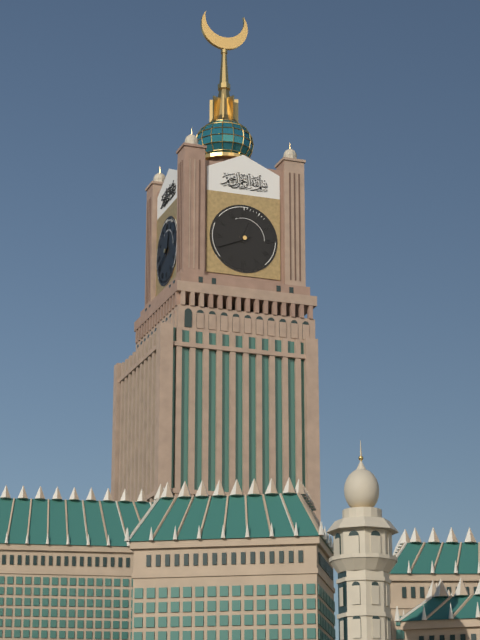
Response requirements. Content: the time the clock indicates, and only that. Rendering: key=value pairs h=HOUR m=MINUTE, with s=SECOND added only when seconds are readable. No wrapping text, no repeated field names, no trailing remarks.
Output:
h=12 m=41
